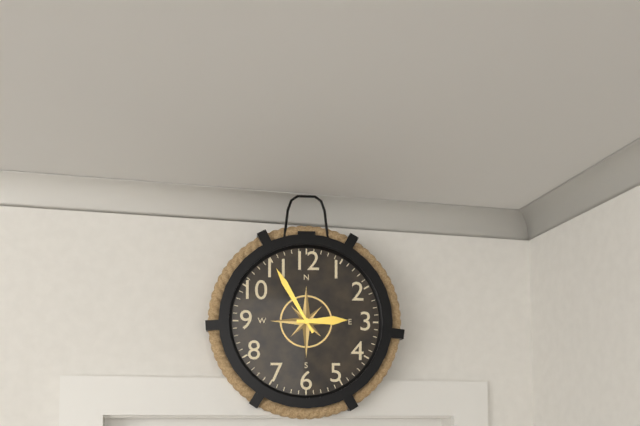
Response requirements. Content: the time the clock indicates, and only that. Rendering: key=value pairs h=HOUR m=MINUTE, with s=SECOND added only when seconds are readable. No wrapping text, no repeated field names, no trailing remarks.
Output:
h=2 m=55
